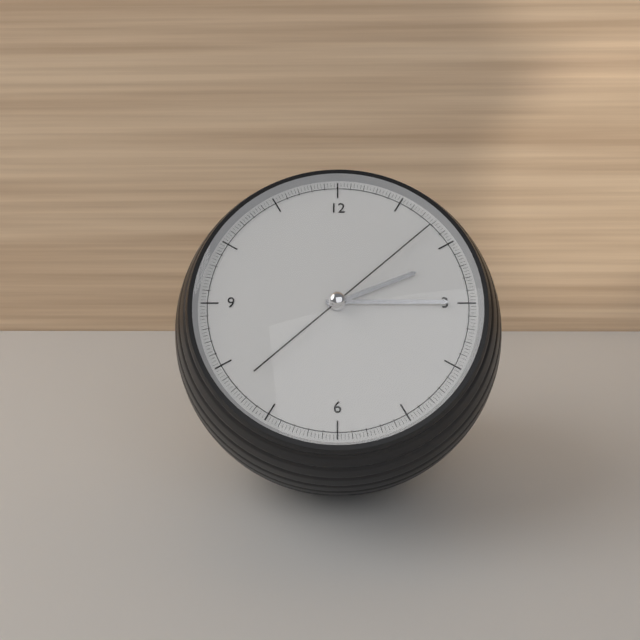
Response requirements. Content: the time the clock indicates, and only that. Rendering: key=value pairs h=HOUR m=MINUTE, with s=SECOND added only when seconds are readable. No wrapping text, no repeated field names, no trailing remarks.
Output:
h=2 m=15 s=8
